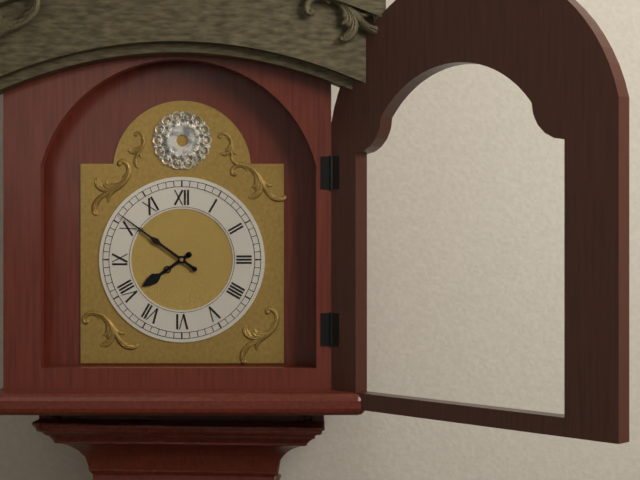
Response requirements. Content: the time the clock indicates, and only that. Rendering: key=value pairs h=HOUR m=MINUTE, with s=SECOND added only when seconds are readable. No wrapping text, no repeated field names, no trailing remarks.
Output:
h=7 m=51
